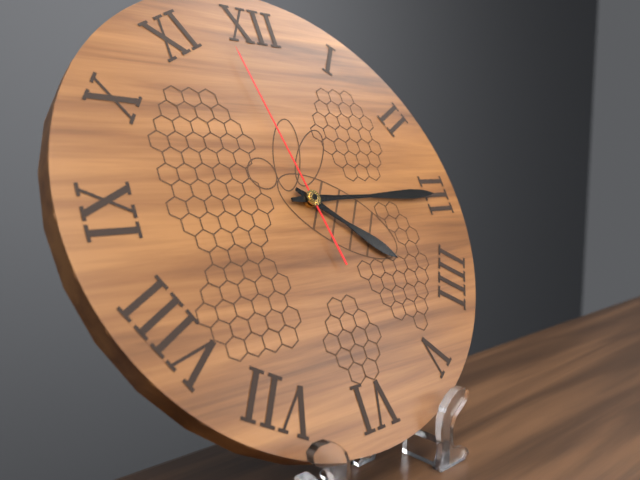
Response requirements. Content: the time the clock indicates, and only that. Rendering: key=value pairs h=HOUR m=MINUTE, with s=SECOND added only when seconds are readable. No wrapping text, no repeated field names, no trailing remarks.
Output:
h=4 m=15 s=58
